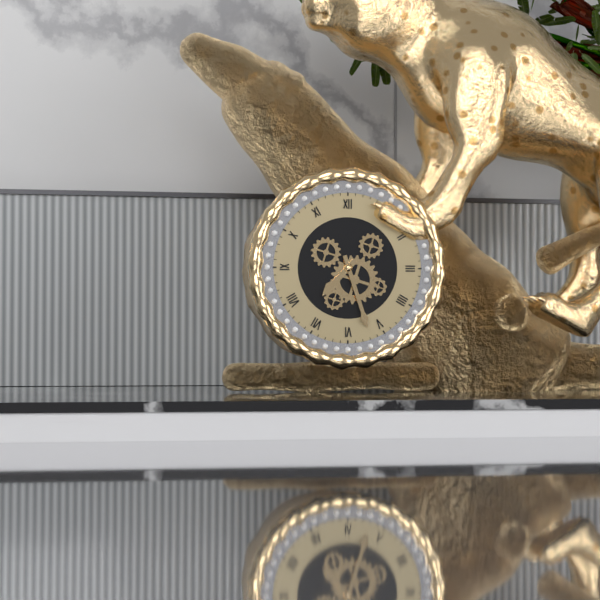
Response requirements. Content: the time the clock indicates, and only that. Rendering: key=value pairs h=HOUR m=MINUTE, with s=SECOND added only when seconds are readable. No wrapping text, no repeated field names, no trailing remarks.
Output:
h=7 m=27
